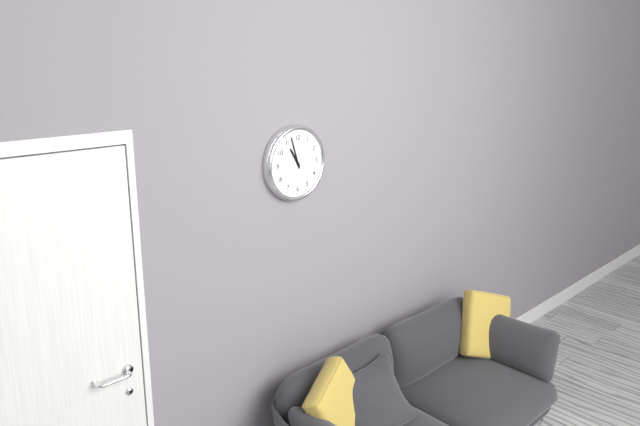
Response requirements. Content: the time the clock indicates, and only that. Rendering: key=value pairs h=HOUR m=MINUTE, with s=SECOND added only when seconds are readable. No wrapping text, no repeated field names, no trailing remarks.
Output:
h=10 m=57
